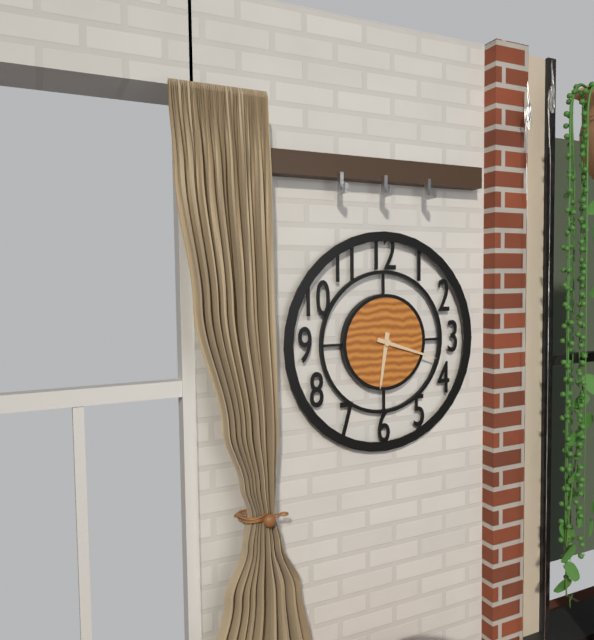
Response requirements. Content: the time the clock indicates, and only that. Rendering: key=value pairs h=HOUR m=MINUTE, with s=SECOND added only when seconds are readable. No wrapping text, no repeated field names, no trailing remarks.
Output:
h=6 m=18
